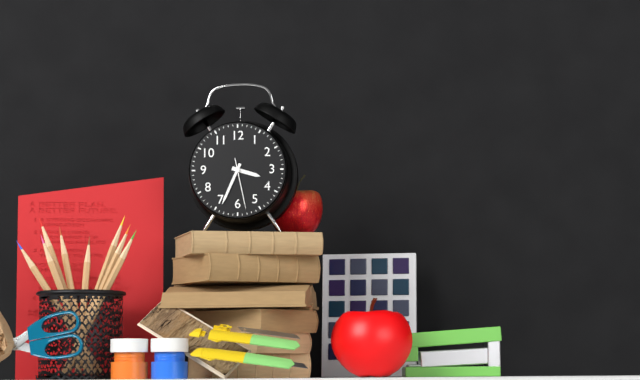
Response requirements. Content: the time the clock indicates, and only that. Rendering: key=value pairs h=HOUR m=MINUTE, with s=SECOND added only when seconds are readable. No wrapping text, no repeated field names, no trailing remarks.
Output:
h=3 m=34 s=28
